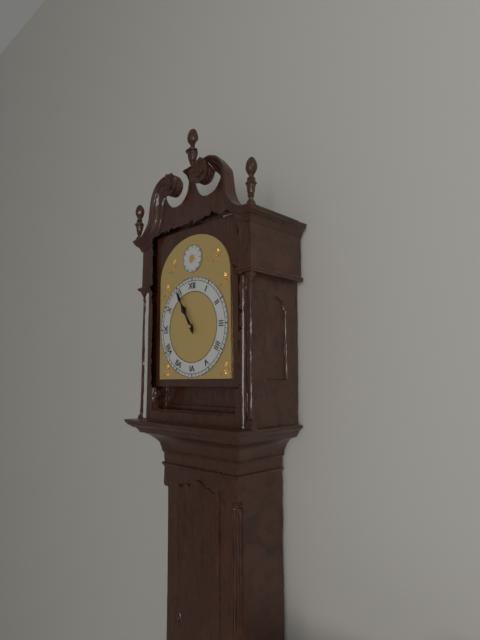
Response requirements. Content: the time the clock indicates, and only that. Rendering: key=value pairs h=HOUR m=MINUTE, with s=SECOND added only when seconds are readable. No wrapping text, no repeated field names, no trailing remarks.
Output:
h=10 m=55
